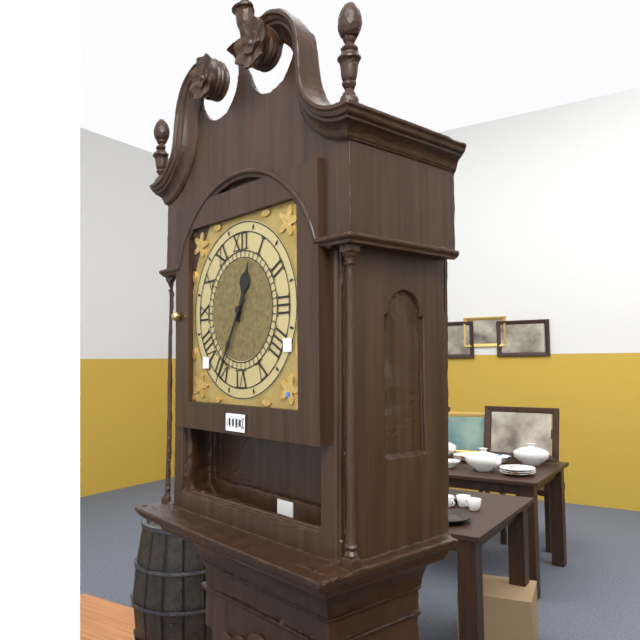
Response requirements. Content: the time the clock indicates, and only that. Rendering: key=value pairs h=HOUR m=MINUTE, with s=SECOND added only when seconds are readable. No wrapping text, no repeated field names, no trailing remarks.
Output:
h=12 m=35
